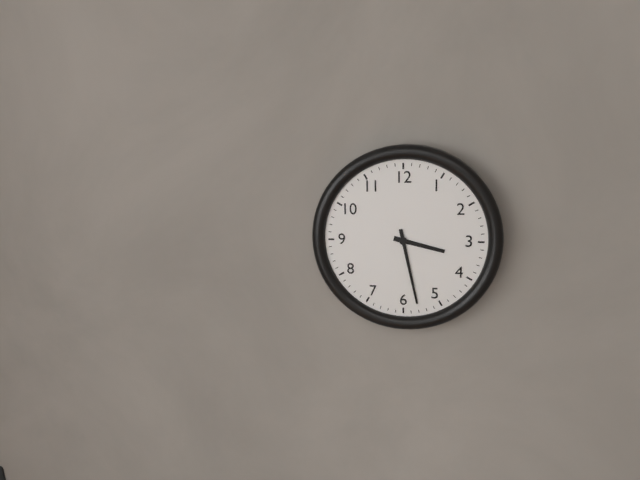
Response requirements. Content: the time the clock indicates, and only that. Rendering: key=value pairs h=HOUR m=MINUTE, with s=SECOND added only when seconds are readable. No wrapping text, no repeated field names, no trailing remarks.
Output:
h=3 m=28
